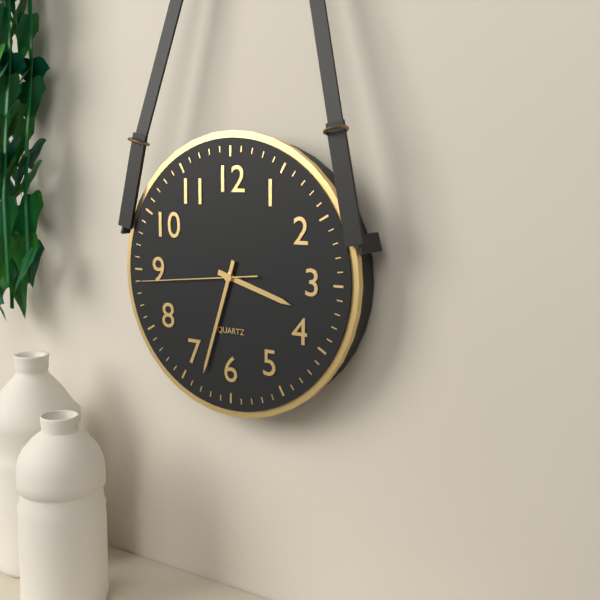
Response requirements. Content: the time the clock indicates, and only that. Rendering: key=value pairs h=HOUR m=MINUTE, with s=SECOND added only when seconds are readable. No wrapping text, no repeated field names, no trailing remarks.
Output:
h=3 m=33 s=44
